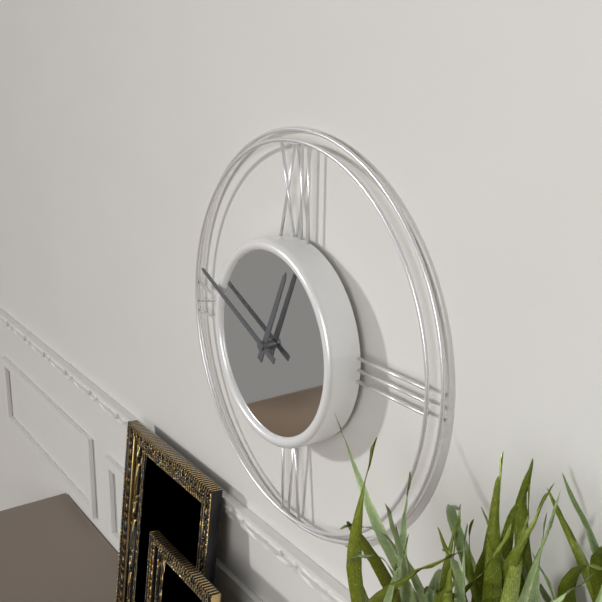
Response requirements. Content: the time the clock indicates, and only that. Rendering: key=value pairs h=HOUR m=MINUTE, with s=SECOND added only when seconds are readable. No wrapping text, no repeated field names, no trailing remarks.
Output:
h=12 m=49
